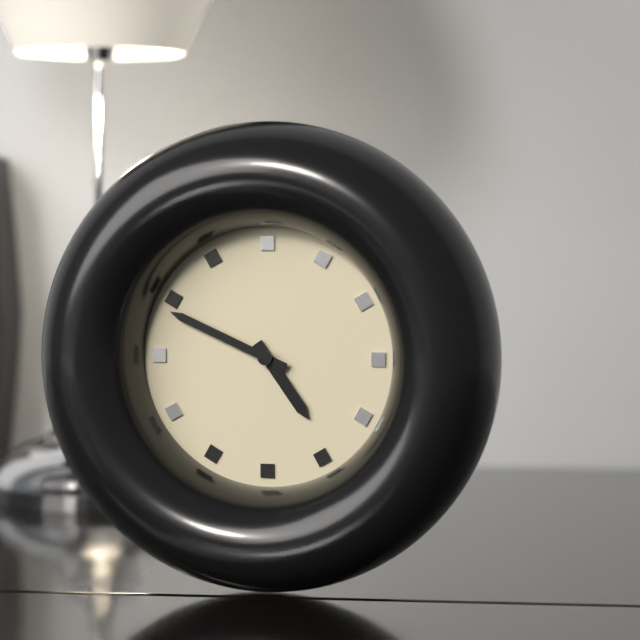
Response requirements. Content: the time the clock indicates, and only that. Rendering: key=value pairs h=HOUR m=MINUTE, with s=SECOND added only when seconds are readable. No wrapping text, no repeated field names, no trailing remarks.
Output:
h=4 m=49
